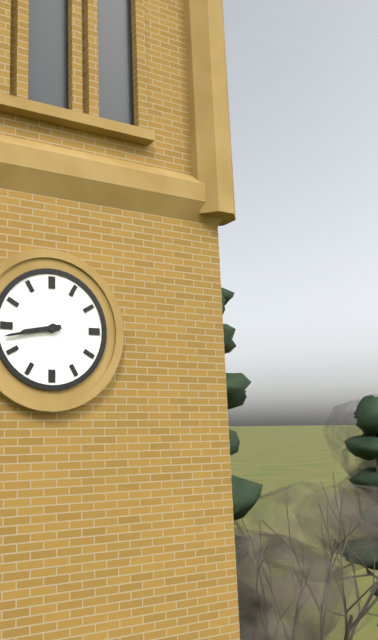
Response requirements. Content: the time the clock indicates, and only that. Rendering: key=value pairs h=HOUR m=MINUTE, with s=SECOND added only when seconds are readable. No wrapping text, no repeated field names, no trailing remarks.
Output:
h=8 m=43
